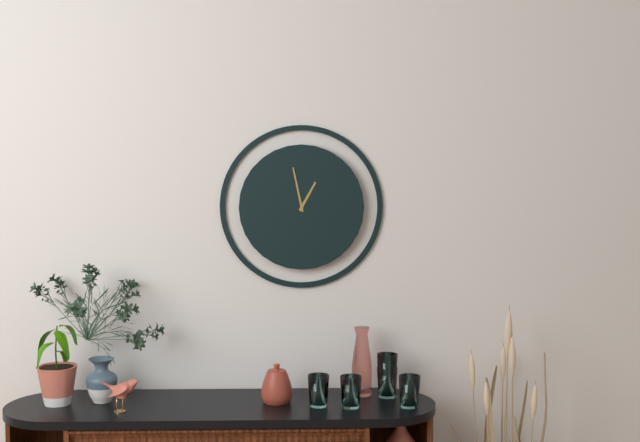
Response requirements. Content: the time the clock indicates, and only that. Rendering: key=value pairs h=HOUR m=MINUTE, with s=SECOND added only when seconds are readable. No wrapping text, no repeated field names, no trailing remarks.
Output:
h=12 m=58
